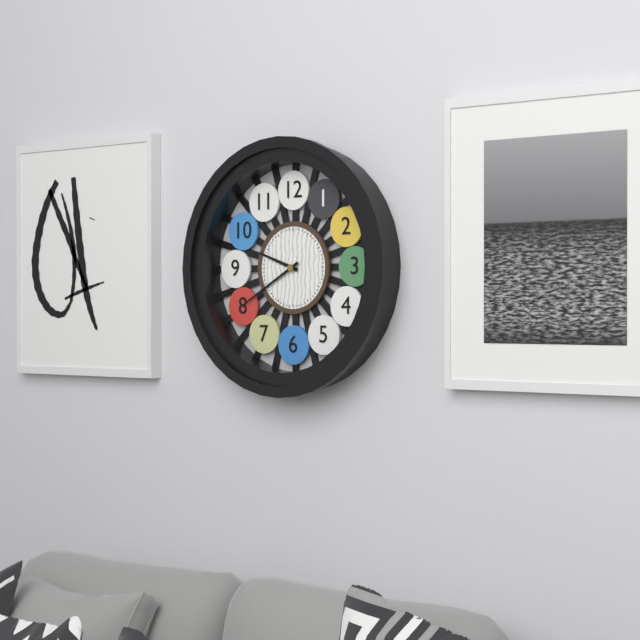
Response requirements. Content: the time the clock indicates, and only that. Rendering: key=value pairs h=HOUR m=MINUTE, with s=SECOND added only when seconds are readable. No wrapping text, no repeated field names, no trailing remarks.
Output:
h=9 m=40
